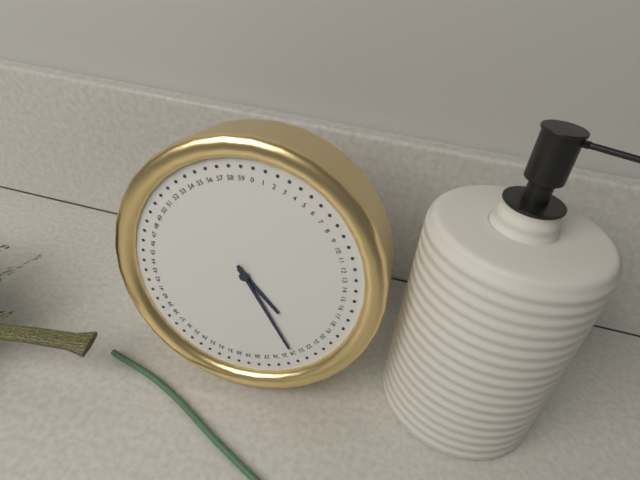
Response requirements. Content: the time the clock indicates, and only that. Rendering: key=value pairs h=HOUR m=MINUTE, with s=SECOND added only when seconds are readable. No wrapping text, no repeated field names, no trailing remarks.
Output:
h=4 m=24
